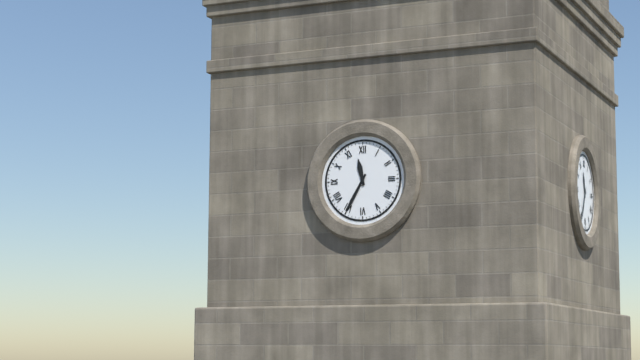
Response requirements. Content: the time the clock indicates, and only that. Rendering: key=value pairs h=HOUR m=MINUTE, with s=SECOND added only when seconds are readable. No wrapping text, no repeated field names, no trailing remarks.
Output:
h=11 m=35
